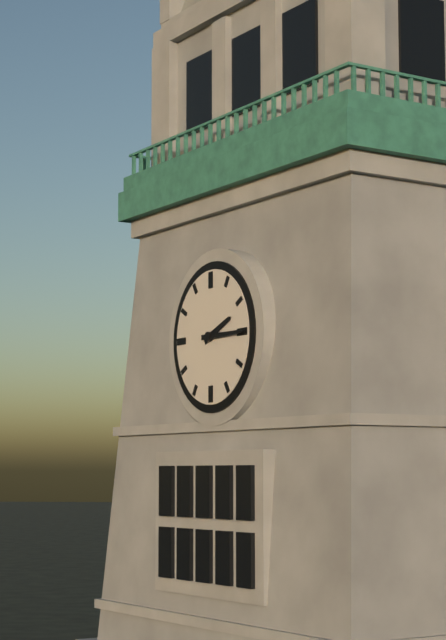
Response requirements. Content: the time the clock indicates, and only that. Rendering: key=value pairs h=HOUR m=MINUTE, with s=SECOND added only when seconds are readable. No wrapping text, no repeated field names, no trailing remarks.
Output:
h=2 m=15
